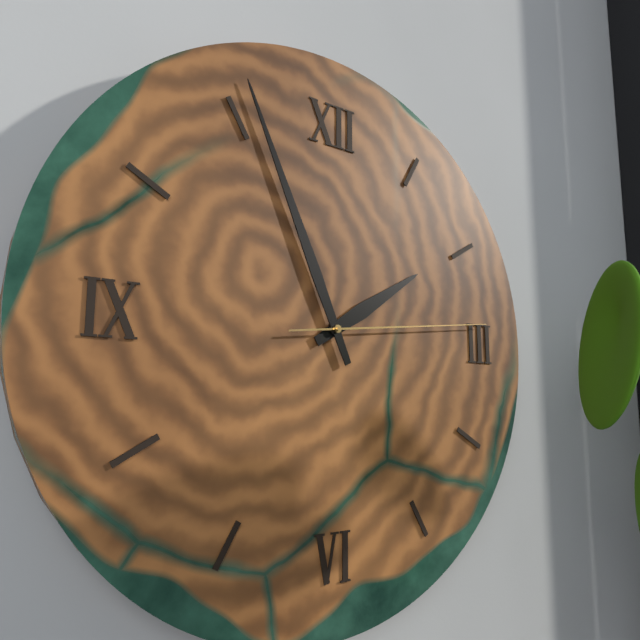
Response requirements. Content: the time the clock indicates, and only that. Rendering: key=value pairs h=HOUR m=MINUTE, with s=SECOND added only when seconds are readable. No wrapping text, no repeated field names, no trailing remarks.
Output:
h=1 m=56 s=14
